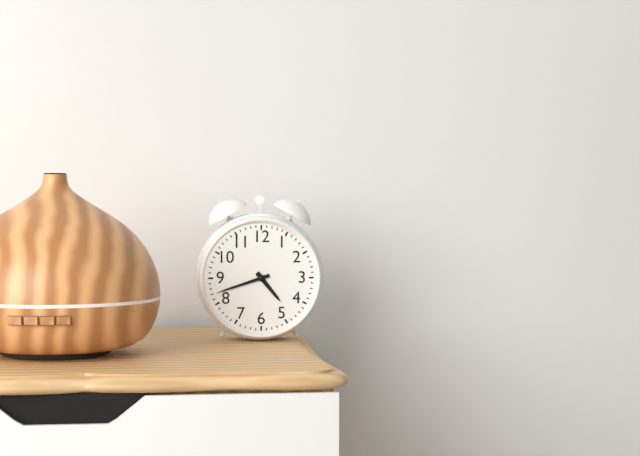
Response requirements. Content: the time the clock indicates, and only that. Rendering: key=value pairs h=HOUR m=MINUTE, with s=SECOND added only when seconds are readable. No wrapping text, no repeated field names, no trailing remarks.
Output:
h=4 m=42
